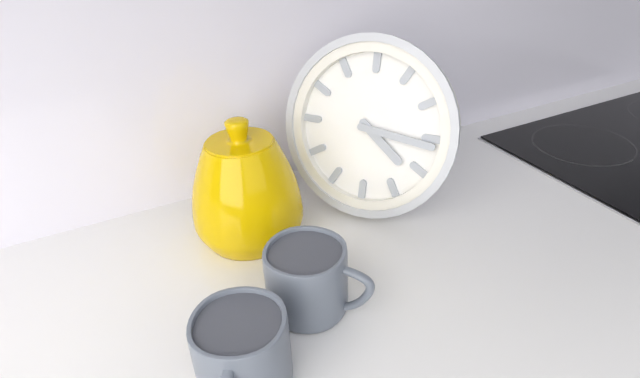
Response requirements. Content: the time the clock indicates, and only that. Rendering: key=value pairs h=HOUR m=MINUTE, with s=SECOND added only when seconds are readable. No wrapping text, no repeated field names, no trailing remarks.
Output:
h=4 m=16
